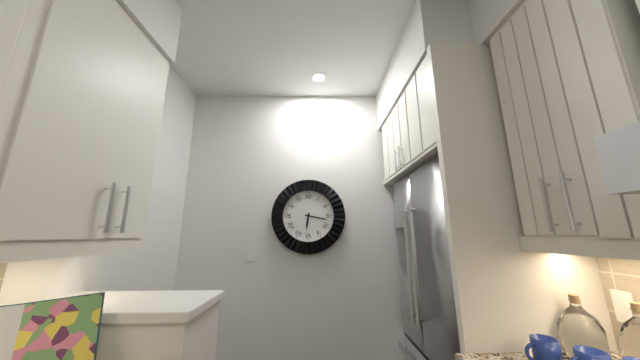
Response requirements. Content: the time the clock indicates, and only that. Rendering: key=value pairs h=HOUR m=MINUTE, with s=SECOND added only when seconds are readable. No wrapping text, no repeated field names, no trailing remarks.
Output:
h=6 m=17
